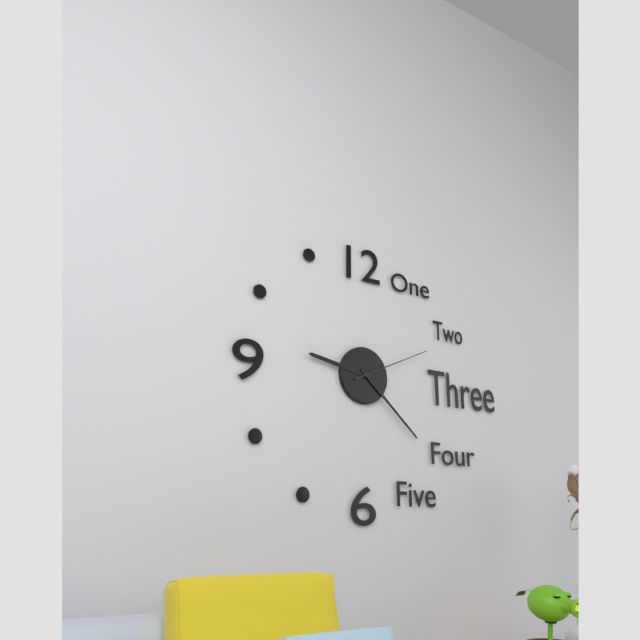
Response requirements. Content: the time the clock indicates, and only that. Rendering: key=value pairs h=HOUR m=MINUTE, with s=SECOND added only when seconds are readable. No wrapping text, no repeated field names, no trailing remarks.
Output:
h=9 m=22 s=11
